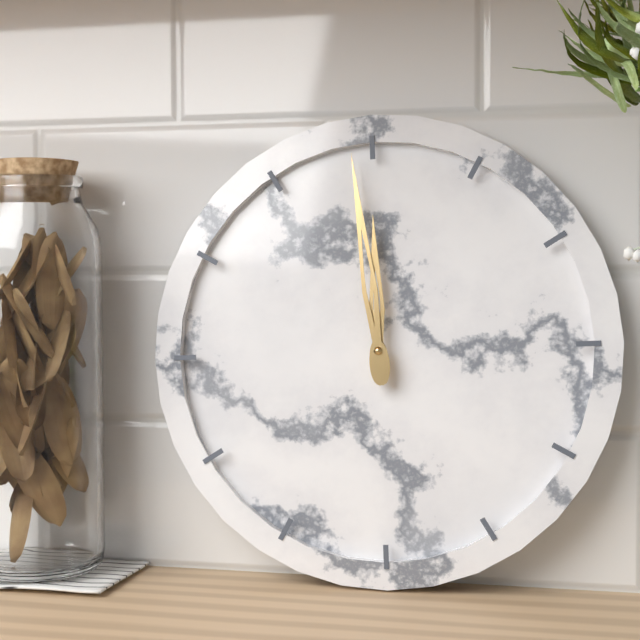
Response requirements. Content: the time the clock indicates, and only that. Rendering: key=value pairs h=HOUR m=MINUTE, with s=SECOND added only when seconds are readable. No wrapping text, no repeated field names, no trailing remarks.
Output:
h=11 m=59
